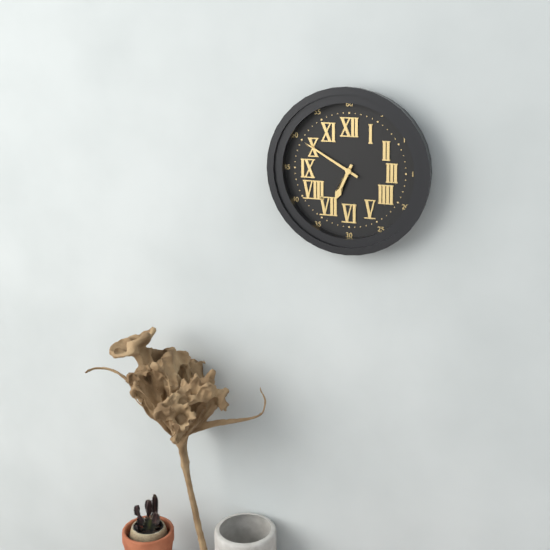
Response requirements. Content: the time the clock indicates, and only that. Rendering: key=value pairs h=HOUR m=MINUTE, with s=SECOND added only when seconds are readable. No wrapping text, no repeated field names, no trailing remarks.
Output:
h=6 m=50
